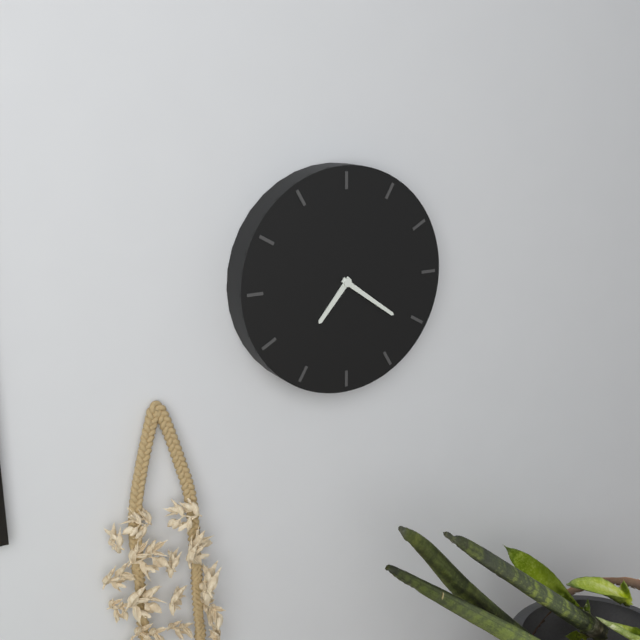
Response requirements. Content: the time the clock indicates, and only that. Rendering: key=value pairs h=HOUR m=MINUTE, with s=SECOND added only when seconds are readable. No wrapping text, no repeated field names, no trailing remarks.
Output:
h=7 m=21
